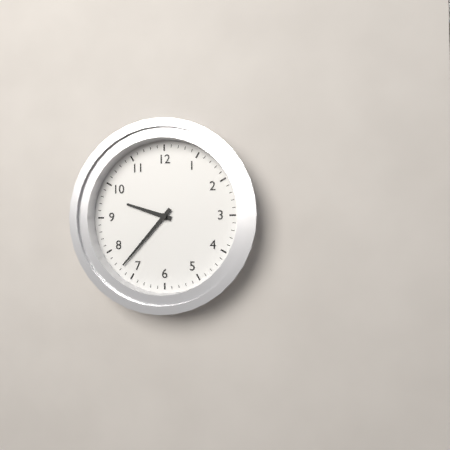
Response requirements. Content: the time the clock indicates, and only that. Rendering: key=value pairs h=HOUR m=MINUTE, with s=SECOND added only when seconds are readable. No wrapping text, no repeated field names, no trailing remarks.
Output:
h=9 m=37
